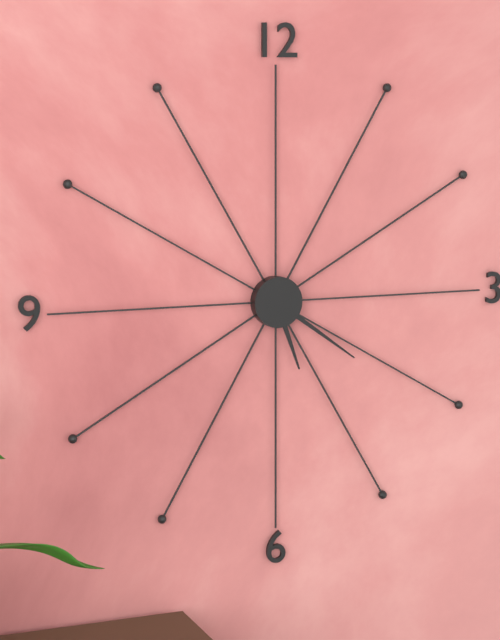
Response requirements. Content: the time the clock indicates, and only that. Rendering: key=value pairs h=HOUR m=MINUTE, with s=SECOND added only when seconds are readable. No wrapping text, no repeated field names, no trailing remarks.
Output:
h=5 m=21
